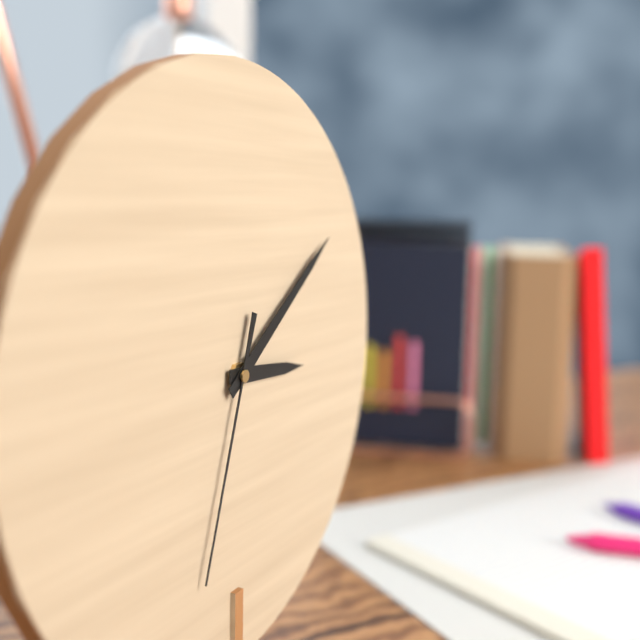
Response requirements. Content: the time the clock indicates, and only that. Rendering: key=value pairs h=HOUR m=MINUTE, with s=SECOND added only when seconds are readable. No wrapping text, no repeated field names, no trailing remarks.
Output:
h=3 m=9 s=33
